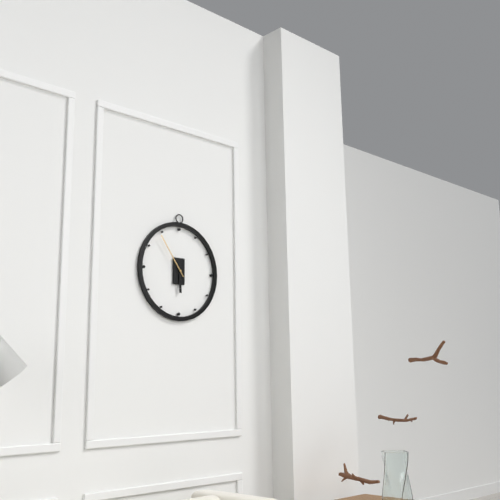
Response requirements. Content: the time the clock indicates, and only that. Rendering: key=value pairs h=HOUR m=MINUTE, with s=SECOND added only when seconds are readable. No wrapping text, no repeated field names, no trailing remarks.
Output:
h=5 m=54
